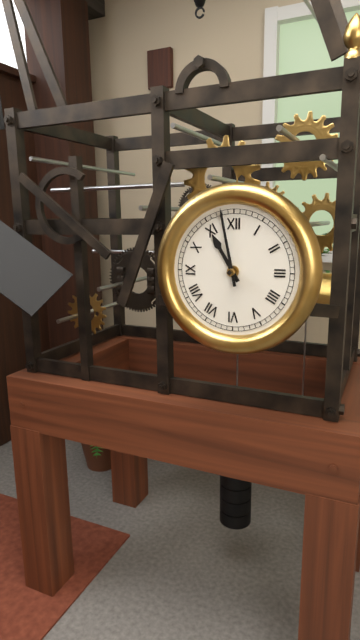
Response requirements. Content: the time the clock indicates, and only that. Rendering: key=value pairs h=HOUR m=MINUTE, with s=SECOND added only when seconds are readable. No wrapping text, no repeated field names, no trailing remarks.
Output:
h=10 m=58
